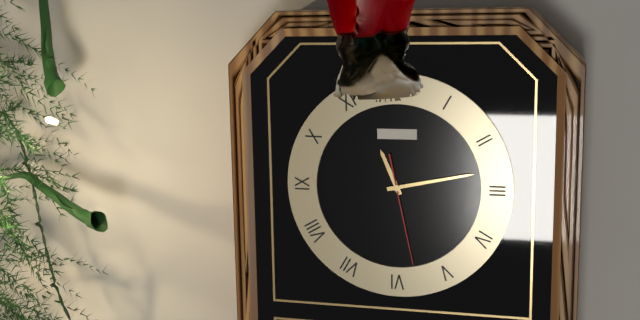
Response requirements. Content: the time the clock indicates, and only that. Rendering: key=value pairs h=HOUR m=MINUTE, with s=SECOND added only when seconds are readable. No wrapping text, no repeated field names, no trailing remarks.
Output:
h=11 m=13 s=28
